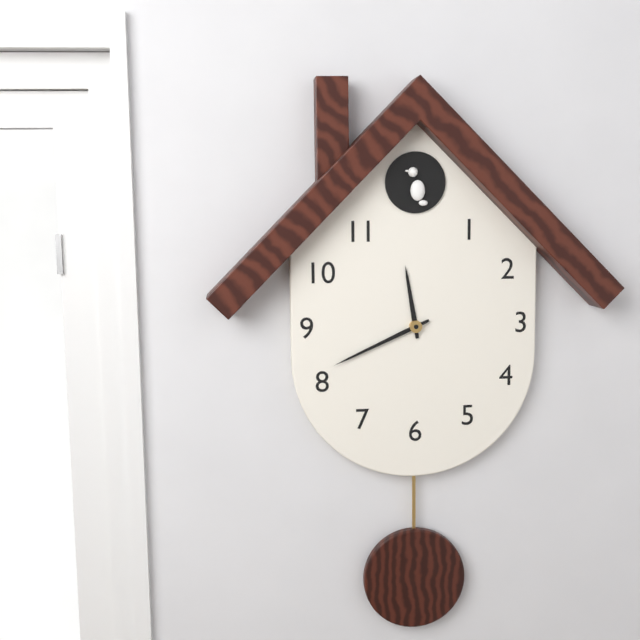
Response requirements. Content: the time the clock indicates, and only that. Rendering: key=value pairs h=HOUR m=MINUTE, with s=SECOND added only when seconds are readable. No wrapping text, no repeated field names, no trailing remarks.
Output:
h=11 m=41
